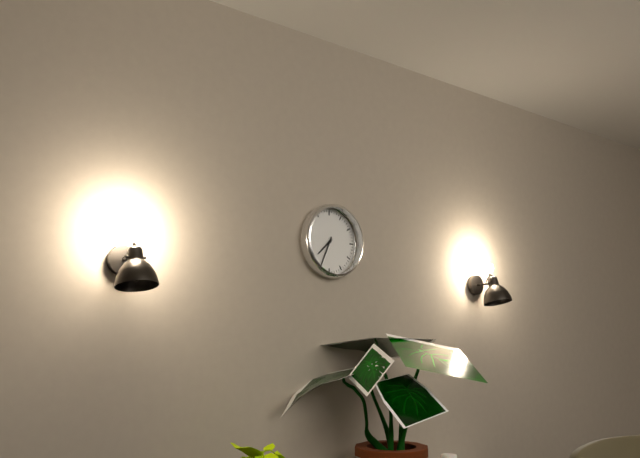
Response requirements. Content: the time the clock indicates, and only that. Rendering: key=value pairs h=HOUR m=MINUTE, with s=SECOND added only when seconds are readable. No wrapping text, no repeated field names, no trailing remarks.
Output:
h=7 m=34
